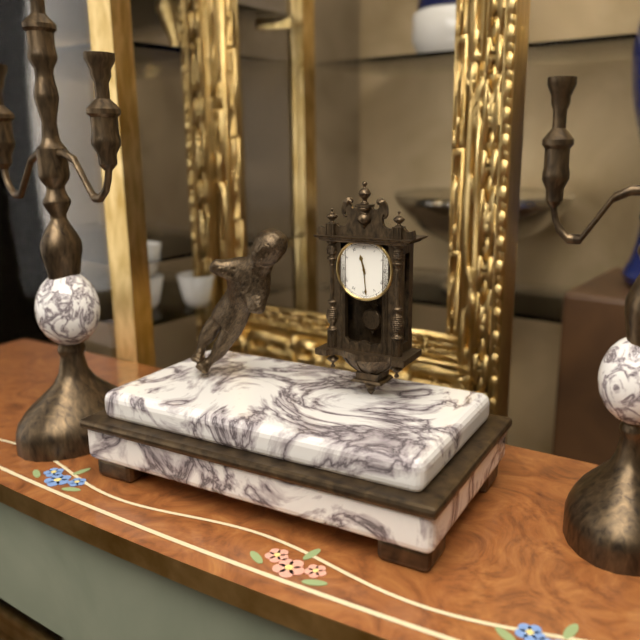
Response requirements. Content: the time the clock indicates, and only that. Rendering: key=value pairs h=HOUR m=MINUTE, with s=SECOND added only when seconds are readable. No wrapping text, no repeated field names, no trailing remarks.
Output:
h=11 m=29
